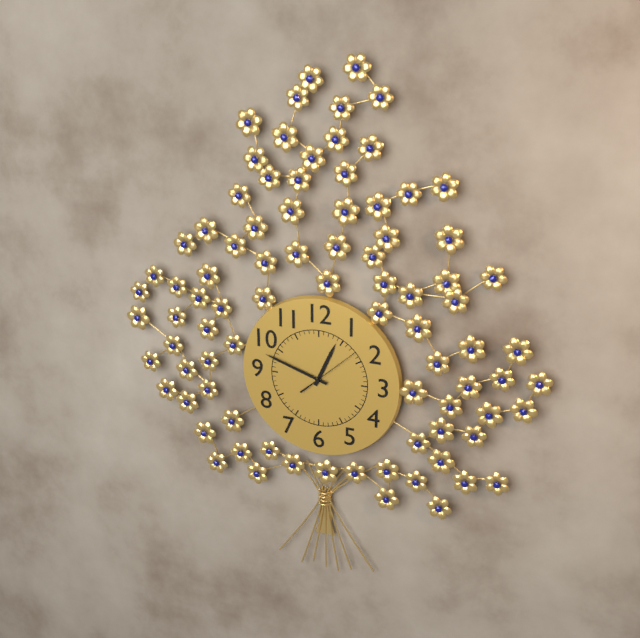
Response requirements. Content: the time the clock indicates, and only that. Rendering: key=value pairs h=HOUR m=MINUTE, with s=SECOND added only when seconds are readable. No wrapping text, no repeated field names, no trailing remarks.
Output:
h=12 m=48 s=8
